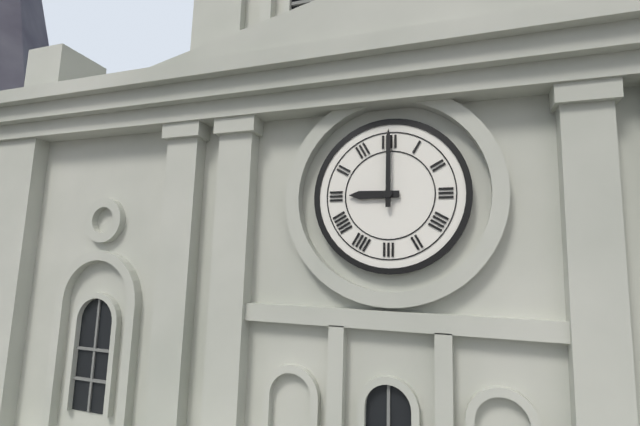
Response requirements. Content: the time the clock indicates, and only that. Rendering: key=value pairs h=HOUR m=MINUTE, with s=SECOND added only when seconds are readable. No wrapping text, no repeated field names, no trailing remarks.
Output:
h=9 m=0
